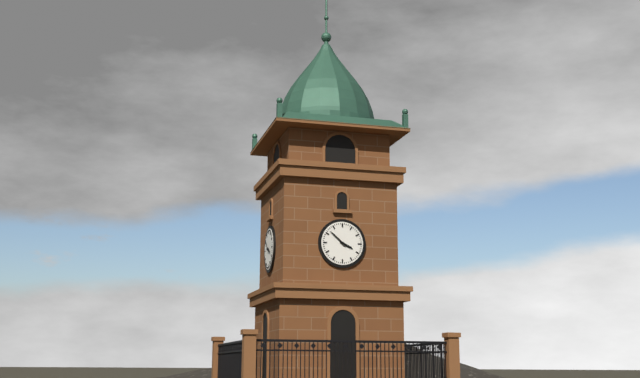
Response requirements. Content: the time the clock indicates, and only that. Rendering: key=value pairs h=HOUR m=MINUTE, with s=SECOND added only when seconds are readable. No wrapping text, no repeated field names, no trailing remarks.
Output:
h=3 m=52
